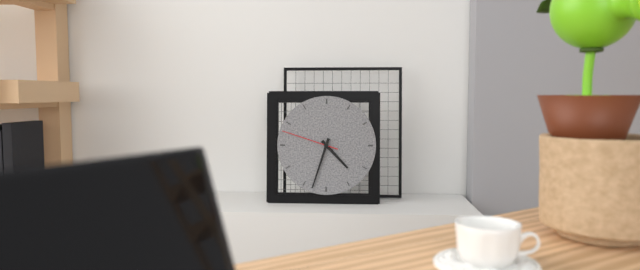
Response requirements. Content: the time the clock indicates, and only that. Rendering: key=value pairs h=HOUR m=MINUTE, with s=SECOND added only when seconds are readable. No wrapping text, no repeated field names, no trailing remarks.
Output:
h=4 m=33 s=48
